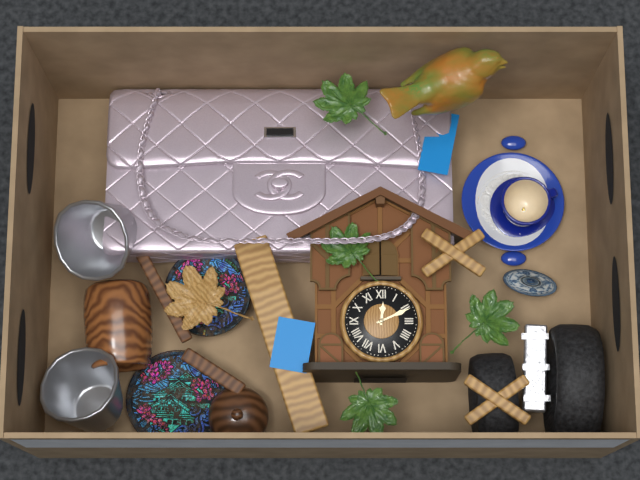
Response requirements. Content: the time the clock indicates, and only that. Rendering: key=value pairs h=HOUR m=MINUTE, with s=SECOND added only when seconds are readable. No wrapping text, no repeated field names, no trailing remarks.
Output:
h=12 m=11
